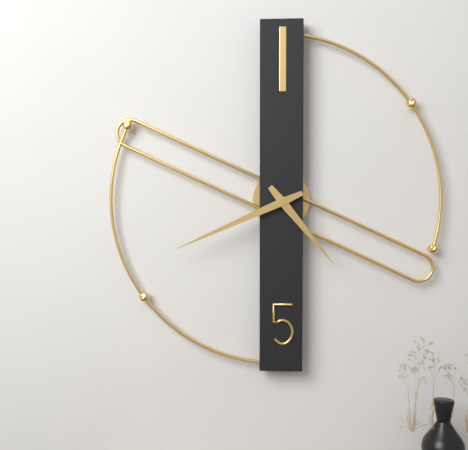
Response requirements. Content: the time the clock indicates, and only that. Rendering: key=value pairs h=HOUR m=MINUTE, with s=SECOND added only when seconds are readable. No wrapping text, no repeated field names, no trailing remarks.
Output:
h=4 m=41
